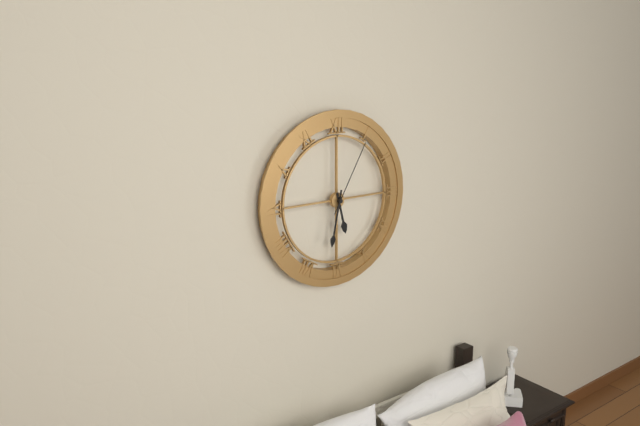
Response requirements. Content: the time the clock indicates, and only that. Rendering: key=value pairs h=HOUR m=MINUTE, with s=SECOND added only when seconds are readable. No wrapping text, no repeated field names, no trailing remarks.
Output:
h=5 m=32 s=5
